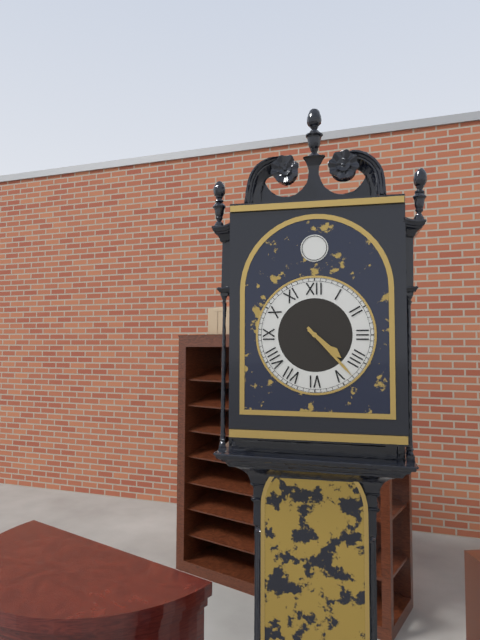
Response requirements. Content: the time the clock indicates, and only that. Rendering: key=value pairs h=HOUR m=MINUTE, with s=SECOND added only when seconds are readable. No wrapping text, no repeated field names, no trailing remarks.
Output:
h=4 m=23
